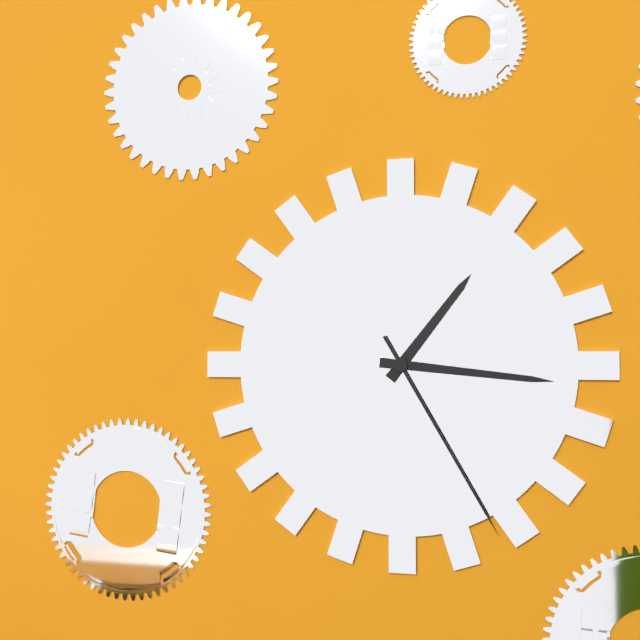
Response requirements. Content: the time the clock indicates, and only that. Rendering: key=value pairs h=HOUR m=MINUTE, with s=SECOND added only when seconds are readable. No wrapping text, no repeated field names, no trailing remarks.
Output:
h=1 m=16 s=25
